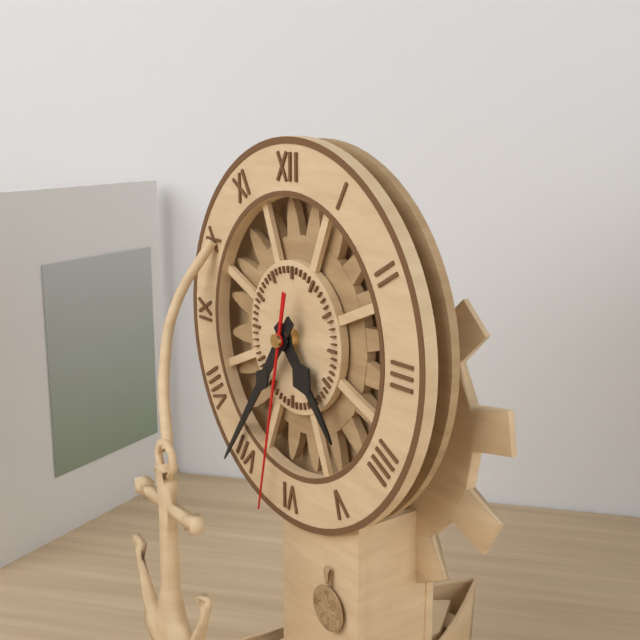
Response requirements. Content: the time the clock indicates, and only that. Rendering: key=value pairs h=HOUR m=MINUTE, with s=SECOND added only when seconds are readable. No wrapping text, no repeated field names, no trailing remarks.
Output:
h=4 m=36 s=32
